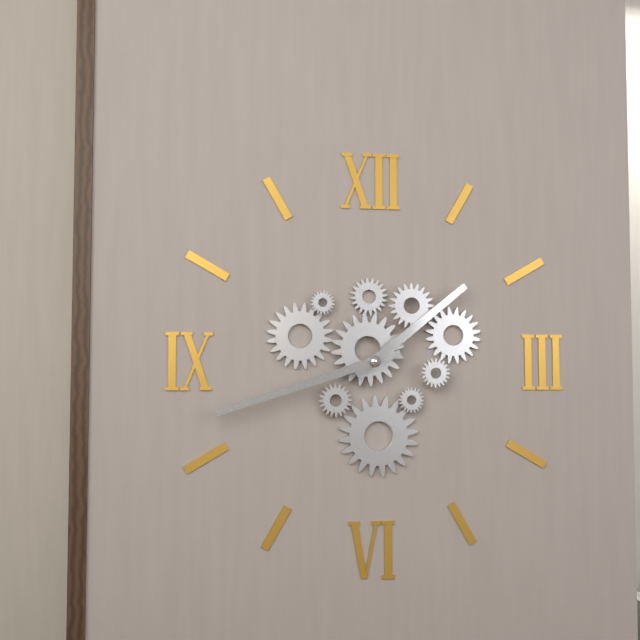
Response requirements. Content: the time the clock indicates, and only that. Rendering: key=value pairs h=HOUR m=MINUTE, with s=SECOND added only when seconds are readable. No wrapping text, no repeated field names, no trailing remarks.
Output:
h=1 m=42
